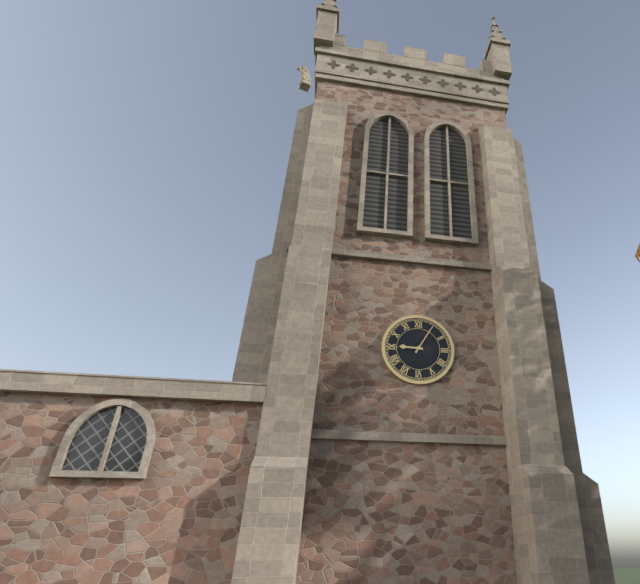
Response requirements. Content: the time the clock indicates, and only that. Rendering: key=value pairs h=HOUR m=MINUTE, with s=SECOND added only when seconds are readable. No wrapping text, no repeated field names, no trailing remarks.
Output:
h=9 m=5
